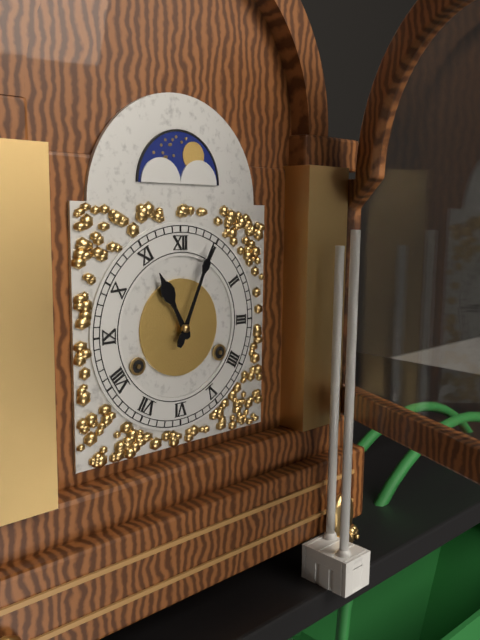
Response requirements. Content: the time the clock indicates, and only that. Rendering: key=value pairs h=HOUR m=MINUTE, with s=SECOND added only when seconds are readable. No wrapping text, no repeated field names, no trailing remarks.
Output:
h=11 m=4
